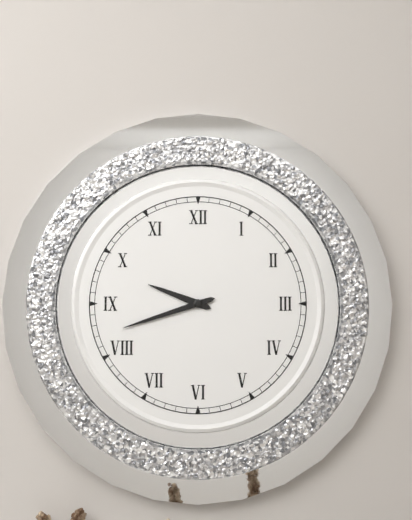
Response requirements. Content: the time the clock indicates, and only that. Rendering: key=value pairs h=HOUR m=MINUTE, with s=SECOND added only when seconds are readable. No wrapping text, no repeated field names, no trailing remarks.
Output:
h=9 m=42
